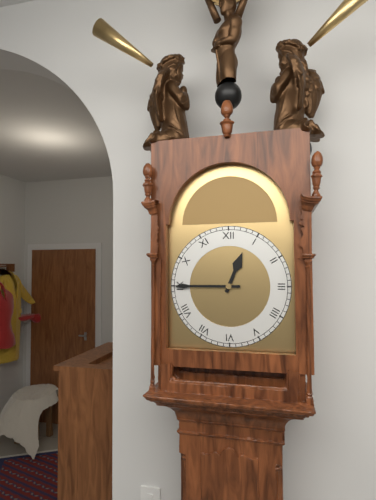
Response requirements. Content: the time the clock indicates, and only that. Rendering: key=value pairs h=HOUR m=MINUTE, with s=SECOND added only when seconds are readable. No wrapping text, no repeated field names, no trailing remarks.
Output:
h=12 m=45
